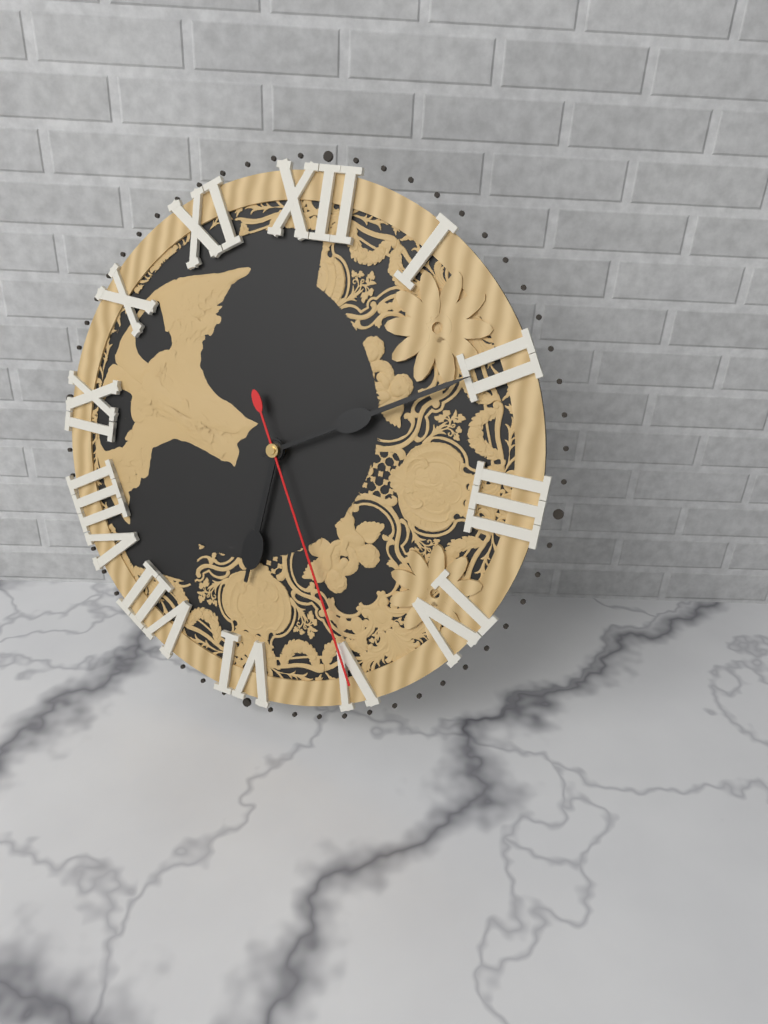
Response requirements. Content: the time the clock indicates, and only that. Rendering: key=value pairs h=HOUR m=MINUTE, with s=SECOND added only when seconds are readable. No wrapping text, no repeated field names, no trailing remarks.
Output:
h=6 m=10 s=25
